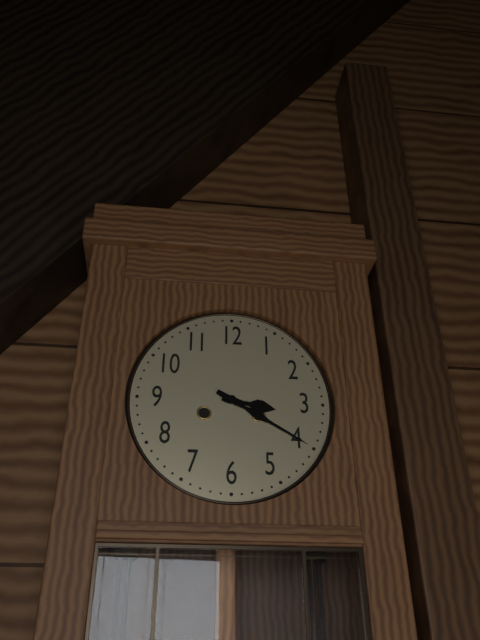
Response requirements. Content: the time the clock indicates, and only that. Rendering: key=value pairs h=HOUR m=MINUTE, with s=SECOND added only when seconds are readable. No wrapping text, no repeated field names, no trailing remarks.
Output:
h=3 m=20
